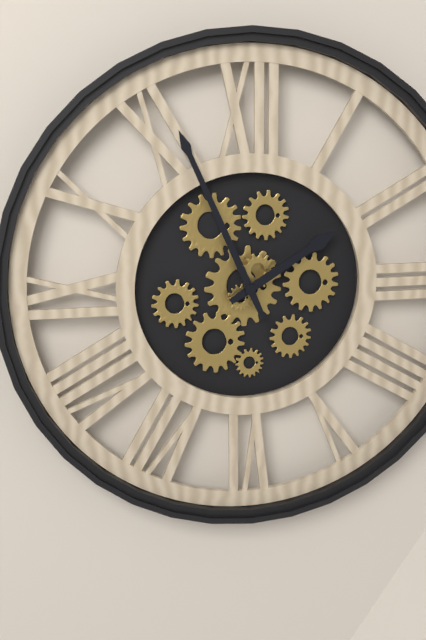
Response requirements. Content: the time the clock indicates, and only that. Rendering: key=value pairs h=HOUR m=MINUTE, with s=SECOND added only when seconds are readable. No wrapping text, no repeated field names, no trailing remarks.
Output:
h=1 m=56
